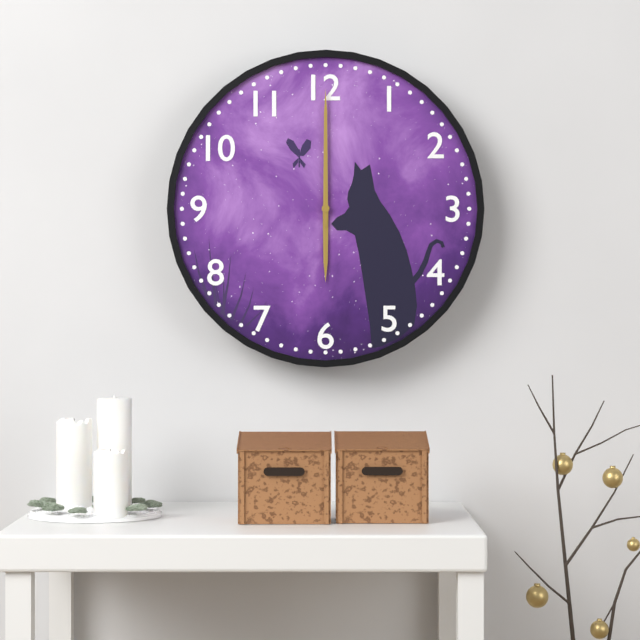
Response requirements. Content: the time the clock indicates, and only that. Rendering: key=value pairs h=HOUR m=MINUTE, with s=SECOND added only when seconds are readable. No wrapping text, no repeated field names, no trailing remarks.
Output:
h=6 m=0
